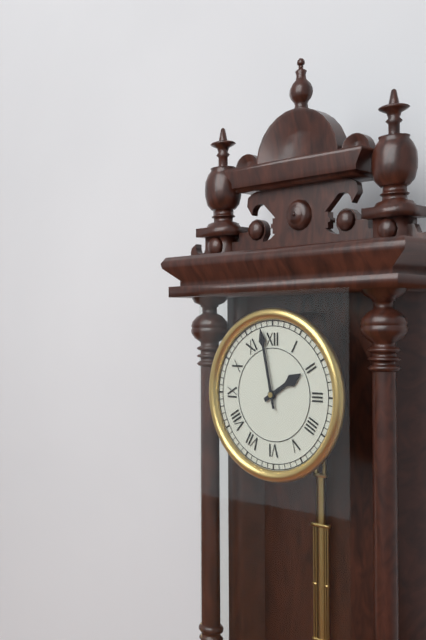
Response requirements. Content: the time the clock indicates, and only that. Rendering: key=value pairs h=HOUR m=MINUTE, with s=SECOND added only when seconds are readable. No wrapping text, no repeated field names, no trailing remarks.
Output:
h=1 m=58
